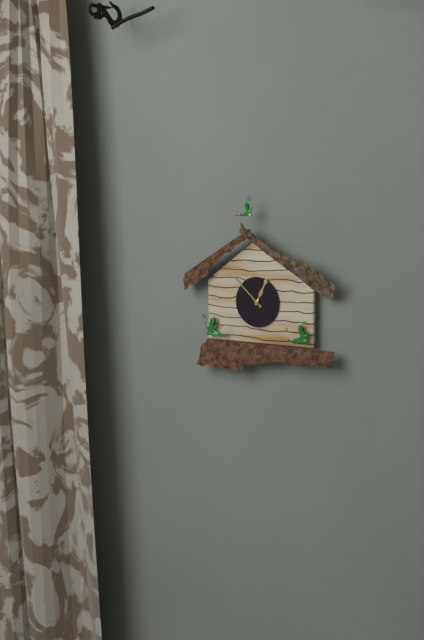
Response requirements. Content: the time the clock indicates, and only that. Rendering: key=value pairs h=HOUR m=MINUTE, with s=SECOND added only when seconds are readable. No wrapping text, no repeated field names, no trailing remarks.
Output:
h=12 m=52
